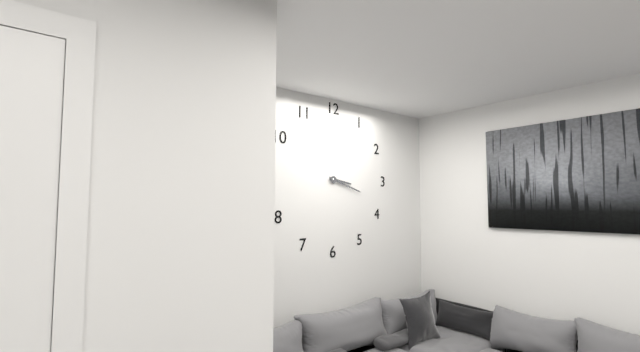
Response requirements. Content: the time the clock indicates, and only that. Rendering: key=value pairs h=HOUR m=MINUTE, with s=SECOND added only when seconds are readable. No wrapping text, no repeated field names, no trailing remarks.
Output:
h=3 m=18
